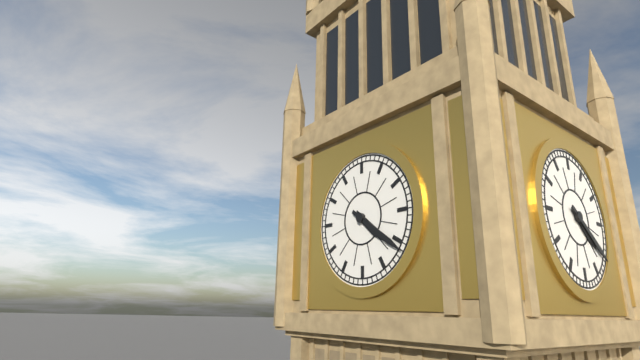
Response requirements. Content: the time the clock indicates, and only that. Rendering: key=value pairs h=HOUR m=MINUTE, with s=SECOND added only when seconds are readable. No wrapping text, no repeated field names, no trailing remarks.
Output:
h=4 m=21
